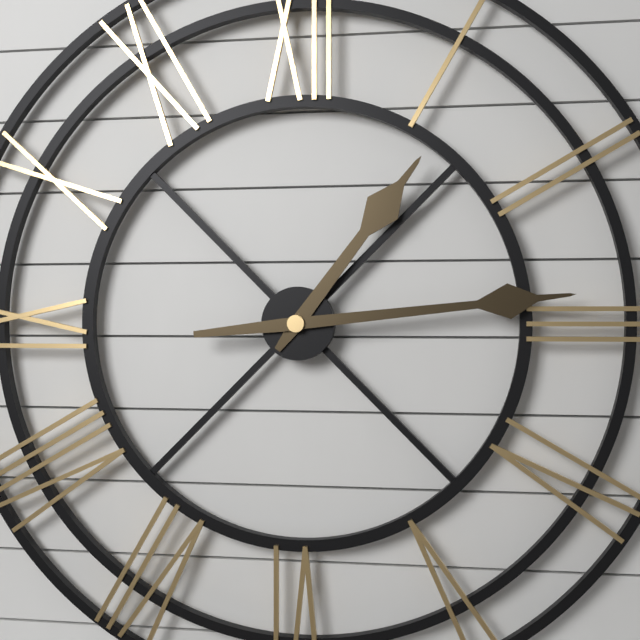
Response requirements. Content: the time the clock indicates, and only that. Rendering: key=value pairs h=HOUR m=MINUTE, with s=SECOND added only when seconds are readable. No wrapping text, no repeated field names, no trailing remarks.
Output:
h=1 m=14
